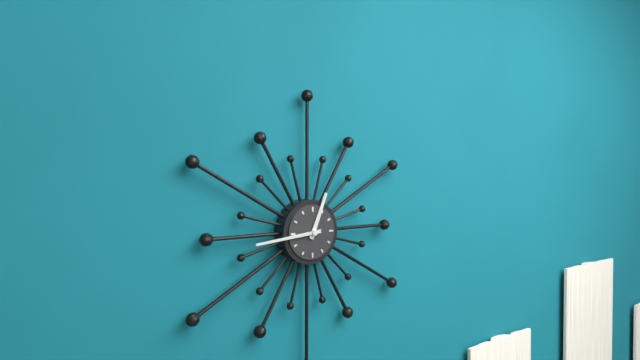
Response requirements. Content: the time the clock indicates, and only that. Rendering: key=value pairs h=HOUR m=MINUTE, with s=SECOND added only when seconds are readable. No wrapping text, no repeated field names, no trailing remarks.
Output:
h=12 m=44
